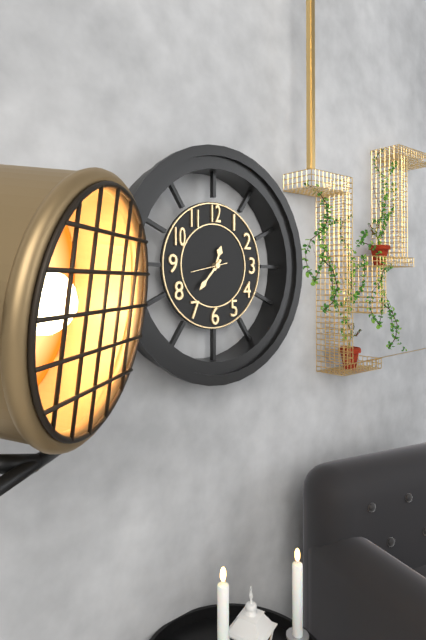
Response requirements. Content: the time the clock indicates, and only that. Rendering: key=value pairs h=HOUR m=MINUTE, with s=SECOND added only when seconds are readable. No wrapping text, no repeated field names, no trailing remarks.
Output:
h=12 m=37
